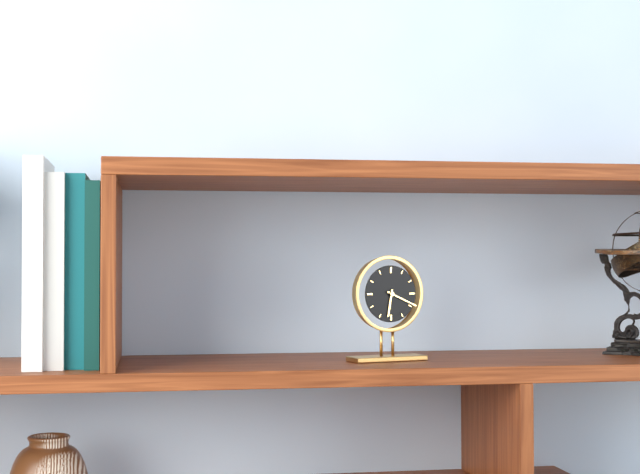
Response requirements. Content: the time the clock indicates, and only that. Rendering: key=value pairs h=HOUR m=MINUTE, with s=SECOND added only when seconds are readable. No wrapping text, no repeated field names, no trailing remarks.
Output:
h=6 m=19
